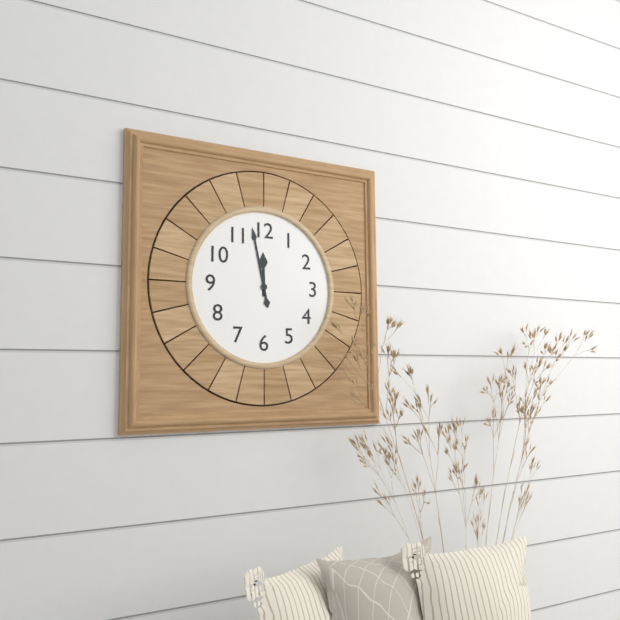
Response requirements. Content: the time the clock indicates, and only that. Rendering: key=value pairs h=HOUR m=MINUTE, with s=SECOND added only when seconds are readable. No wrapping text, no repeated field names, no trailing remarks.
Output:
h=11 m=58
